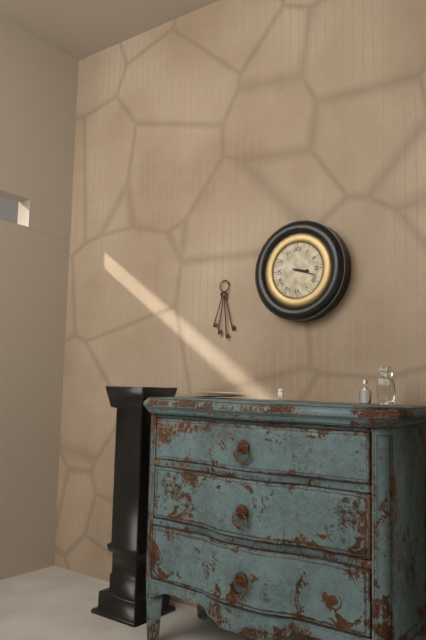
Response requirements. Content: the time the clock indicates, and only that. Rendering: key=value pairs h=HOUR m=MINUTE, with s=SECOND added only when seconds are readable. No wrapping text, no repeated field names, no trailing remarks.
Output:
h=3 m=18
